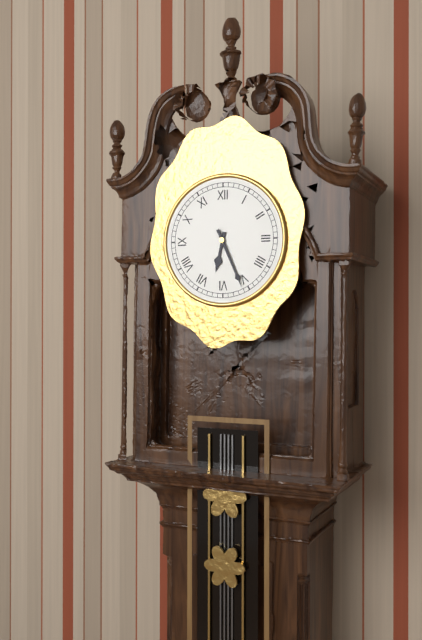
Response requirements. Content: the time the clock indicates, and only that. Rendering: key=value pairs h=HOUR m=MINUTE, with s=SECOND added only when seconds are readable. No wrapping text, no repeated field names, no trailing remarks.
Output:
h=6 m=26
